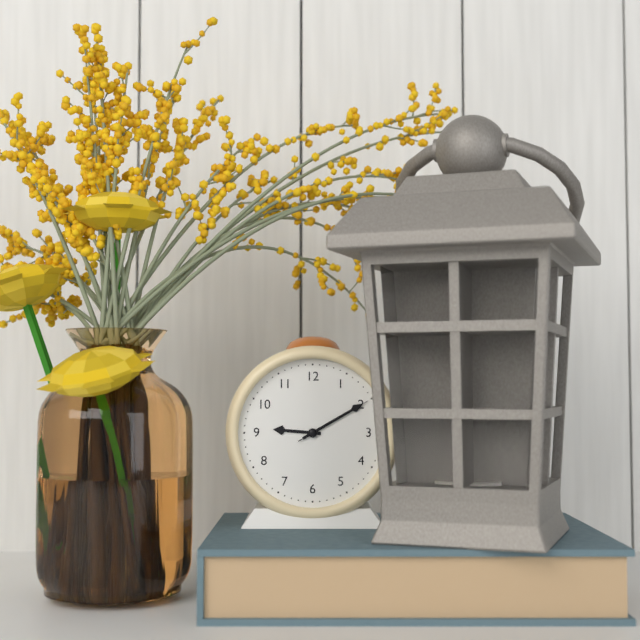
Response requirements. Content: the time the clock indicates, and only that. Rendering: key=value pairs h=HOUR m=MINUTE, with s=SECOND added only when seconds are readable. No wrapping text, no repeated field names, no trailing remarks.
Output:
h=9 m=10 s=10
